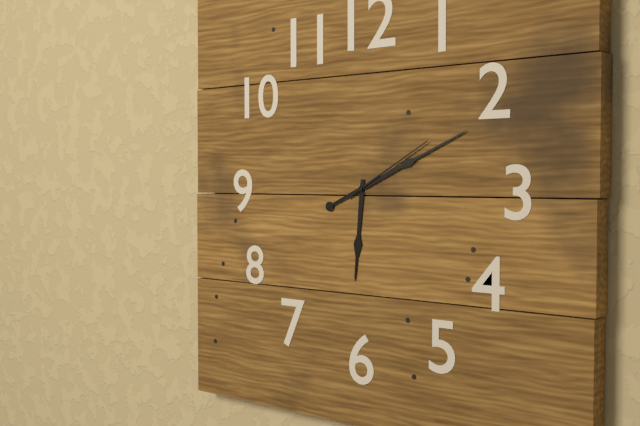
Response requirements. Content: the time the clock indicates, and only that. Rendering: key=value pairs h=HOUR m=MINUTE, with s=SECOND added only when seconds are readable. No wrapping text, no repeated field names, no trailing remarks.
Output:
h=6 m=11 s=10
